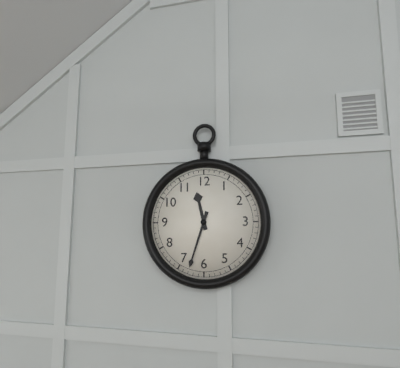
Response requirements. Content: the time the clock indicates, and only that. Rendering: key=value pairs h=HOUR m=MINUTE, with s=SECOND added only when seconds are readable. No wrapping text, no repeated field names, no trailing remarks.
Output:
h=11 m=33
